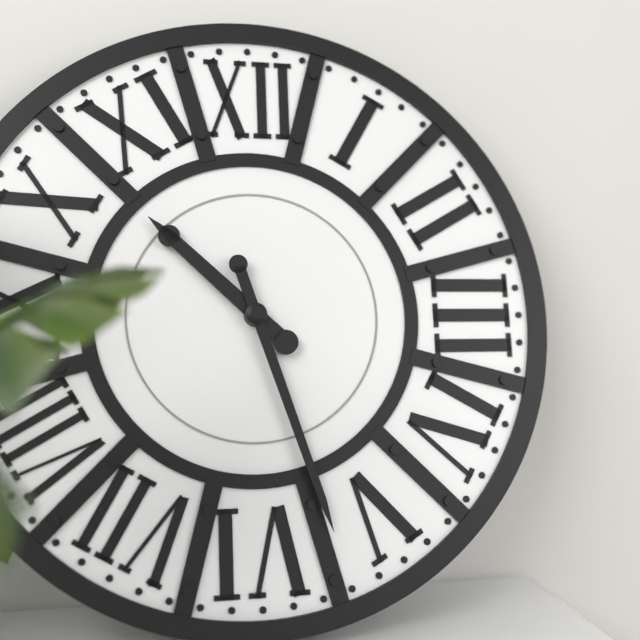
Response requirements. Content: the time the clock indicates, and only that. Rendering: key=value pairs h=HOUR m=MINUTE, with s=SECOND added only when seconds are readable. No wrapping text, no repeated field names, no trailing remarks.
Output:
h=10 m=27
